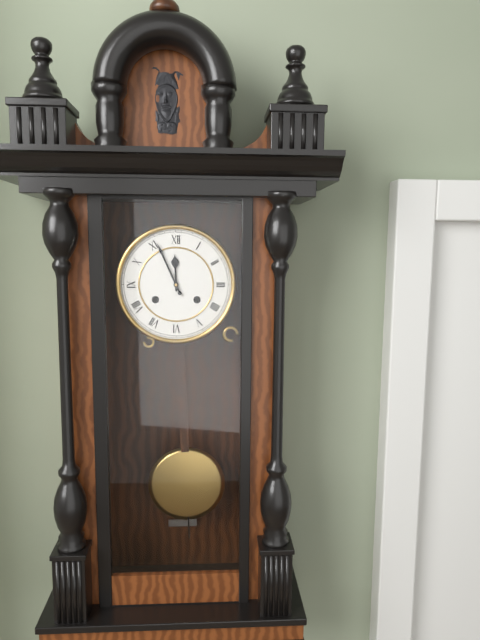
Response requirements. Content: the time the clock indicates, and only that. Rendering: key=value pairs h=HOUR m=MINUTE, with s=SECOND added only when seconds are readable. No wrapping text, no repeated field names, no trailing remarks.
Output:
h=11 m=56
